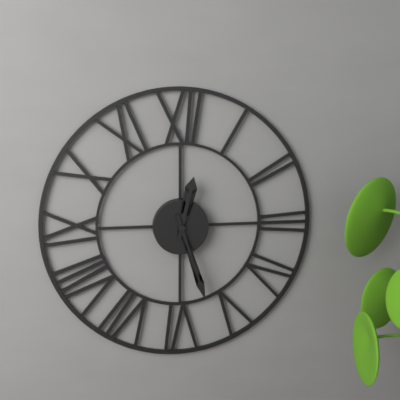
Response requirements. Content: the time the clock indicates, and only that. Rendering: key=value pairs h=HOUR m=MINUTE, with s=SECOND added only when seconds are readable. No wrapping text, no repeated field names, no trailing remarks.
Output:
h=12 m=27
